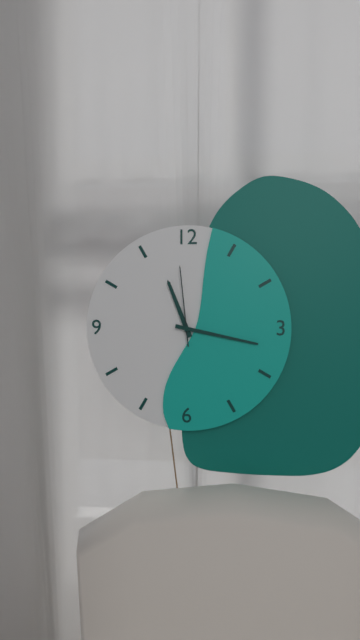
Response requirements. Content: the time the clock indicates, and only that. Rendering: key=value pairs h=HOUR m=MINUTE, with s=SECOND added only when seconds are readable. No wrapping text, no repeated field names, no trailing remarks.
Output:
h=11 m=17 s=59
